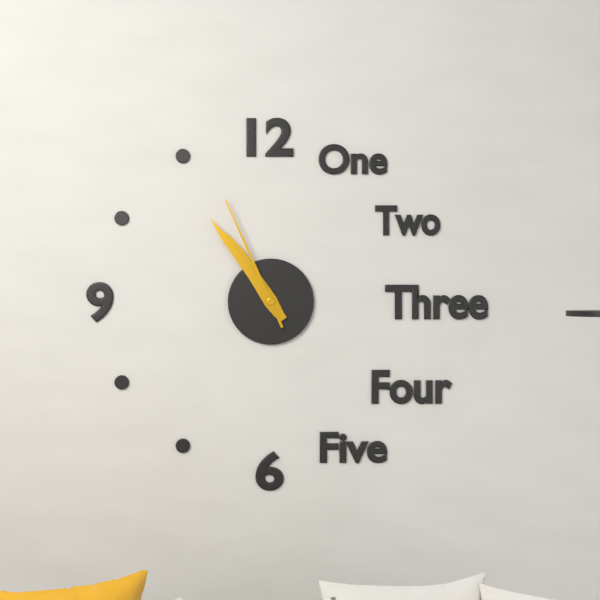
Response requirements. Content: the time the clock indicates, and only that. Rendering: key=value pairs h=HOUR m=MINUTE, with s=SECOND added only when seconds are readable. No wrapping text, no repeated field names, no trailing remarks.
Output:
h=10 m=54 s=56
